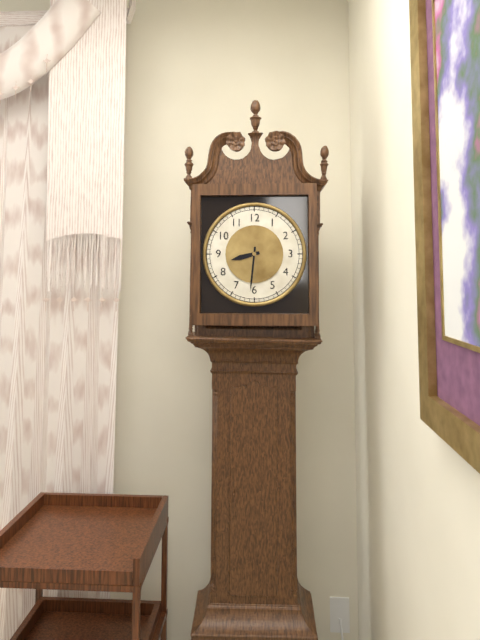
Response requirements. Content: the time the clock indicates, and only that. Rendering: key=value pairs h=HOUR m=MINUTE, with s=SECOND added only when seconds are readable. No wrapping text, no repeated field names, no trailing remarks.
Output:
h=8 m=31
